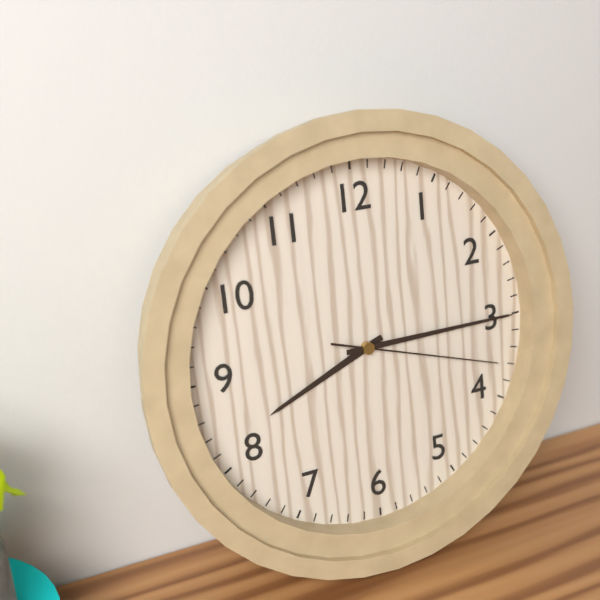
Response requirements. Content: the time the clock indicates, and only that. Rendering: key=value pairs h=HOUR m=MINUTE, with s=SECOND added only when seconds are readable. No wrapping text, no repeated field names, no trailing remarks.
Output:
h=8 m=15 s=18
